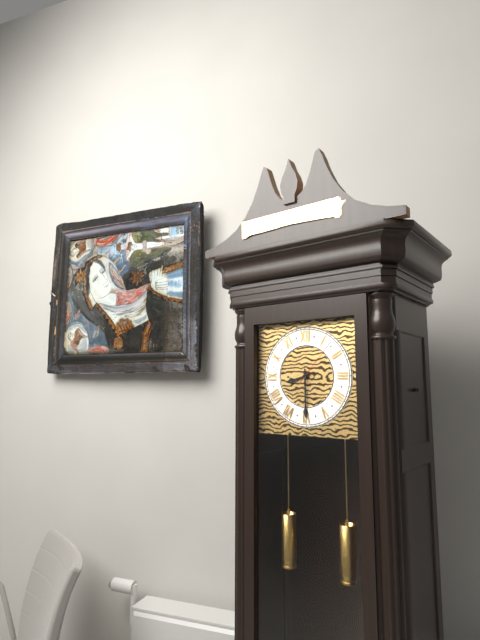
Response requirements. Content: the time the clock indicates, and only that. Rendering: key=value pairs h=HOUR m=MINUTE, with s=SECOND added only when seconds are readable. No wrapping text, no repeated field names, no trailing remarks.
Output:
h=8 m=30 s=7
